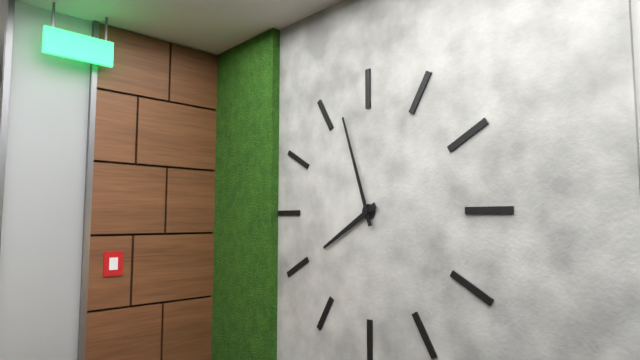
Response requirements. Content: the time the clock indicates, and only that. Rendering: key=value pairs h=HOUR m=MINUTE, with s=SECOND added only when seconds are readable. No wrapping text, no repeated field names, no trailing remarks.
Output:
h=7 m=57
